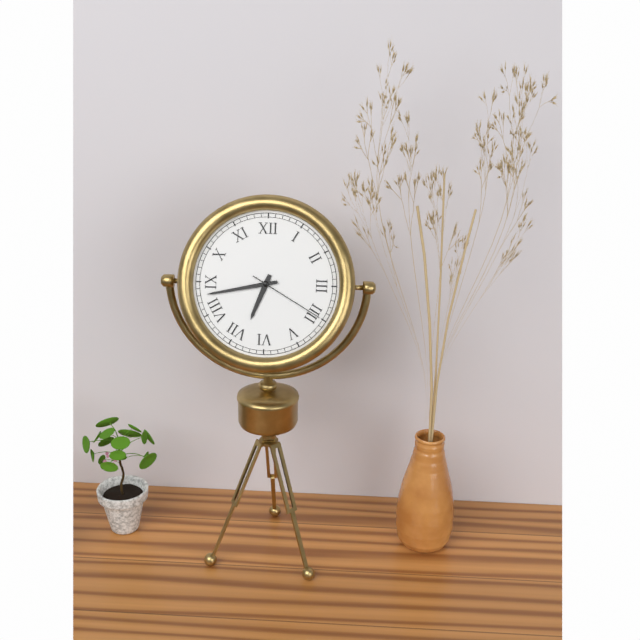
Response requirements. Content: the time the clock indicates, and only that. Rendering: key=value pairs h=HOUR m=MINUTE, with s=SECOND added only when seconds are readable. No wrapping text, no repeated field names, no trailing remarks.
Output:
h=6 m=43 s=20
